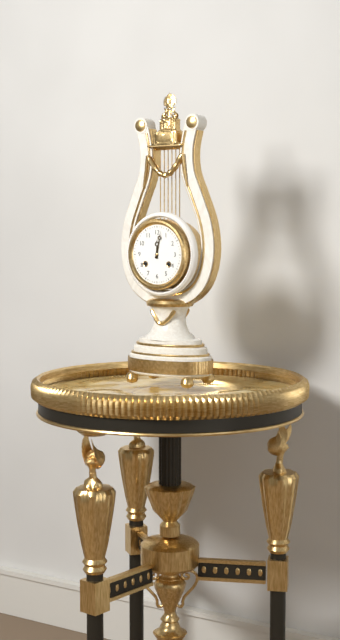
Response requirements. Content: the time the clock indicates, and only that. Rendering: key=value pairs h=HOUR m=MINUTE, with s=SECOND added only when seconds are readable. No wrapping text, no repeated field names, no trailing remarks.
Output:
h=12 m=2
